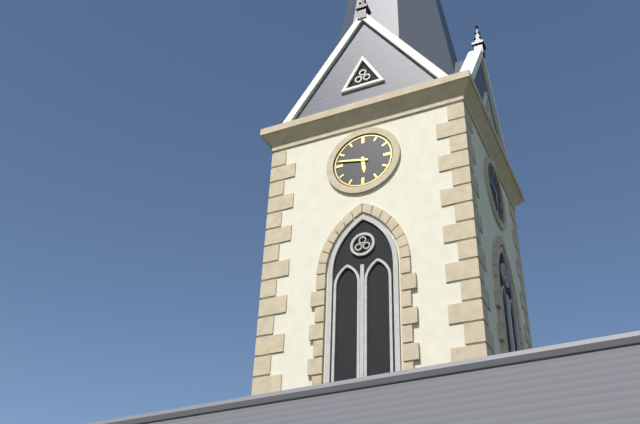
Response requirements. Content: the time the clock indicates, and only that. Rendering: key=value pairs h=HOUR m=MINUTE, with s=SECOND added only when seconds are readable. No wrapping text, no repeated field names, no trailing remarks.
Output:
h=5 m=47
